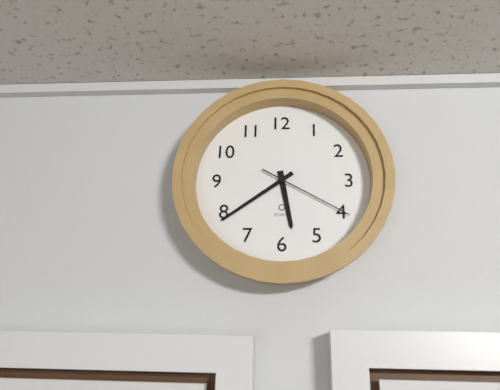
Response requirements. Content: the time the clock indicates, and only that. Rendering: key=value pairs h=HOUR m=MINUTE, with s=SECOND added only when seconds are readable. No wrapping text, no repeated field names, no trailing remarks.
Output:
h=5 m=39 s=20
